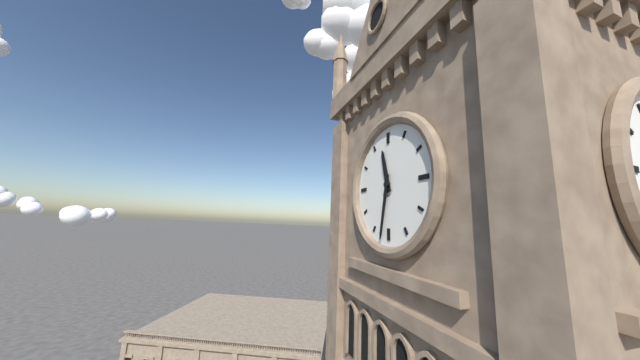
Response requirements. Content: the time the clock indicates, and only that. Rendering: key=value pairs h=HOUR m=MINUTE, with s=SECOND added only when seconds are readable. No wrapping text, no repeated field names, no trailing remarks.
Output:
h=11 m=32
